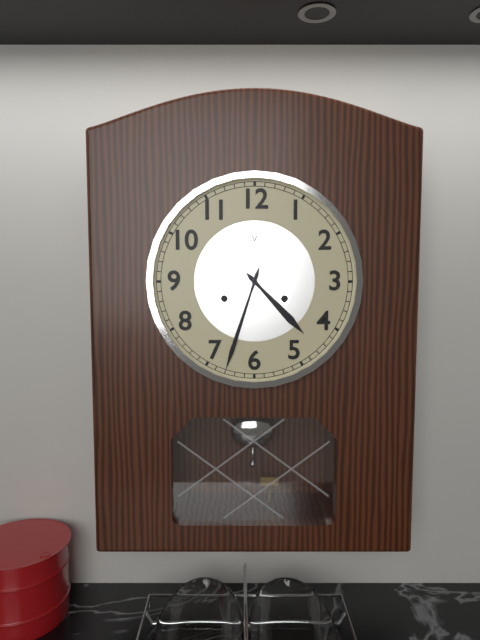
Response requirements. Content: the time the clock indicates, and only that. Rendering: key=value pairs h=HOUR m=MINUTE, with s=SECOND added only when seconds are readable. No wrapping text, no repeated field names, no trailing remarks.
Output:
h=4 m=33
